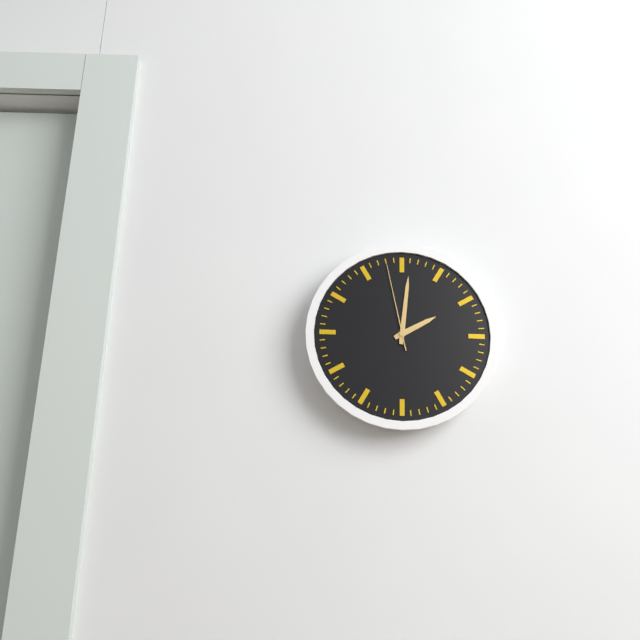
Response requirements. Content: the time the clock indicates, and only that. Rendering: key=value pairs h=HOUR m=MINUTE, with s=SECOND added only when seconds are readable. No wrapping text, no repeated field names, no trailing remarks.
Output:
h=2 m=1 s=58
